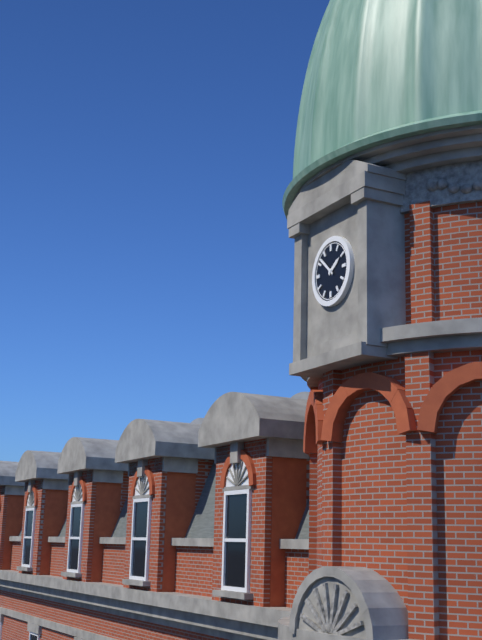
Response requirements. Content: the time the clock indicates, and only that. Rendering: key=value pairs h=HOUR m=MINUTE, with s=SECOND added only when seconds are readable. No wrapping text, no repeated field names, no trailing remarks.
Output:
h=1 m=52
